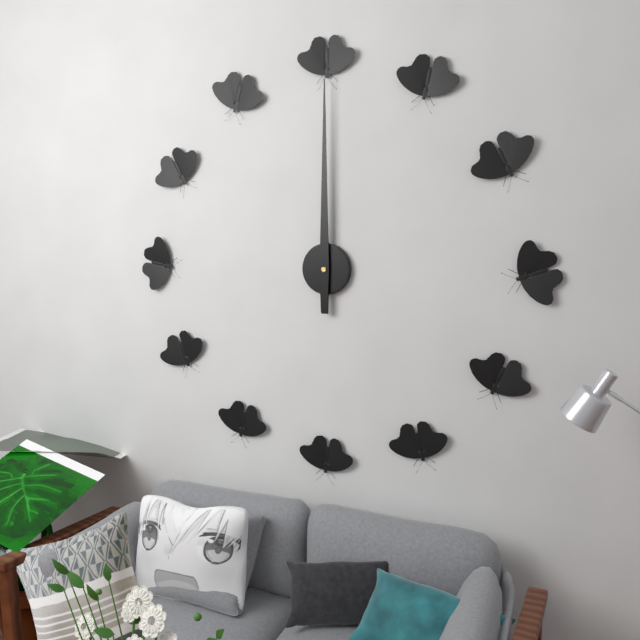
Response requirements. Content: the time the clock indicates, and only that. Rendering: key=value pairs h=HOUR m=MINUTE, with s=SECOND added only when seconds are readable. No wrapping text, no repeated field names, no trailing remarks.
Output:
h=12 m=0
